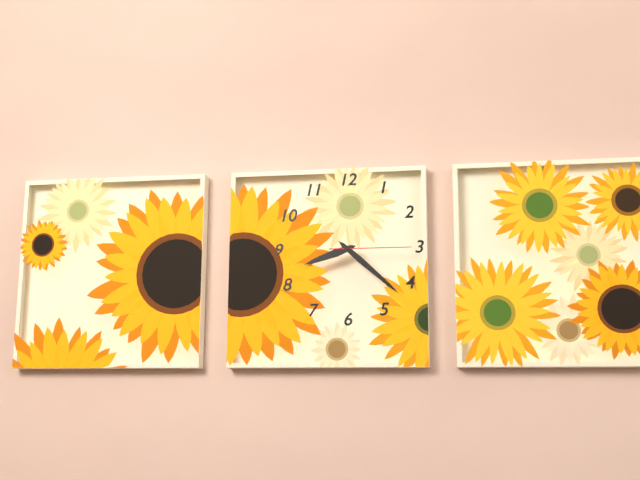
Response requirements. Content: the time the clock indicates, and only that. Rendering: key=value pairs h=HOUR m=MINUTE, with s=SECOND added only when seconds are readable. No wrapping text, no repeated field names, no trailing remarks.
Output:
h=8 m=22 s=15
